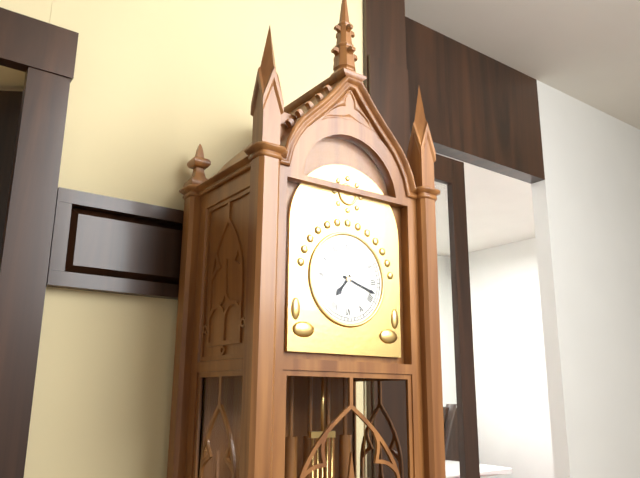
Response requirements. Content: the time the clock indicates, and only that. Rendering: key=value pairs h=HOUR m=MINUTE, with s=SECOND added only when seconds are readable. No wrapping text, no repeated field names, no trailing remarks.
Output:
h=7 m=18
